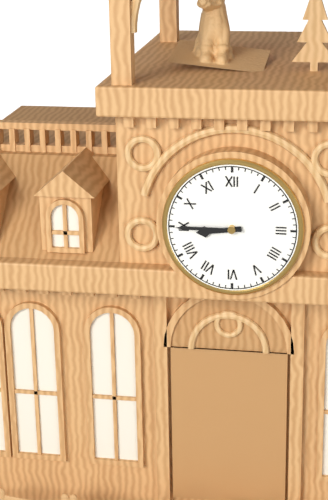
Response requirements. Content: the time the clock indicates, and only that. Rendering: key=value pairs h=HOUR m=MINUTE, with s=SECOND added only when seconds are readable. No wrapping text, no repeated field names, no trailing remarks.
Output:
h=8 m=45
